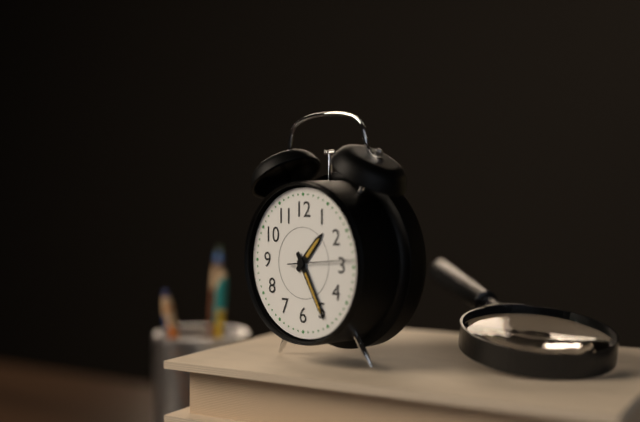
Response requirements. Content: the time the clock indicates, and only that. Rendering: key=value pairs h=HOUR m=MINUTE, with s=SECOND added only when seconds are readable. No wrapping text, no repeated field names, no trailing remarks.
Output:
h=1 m=25
